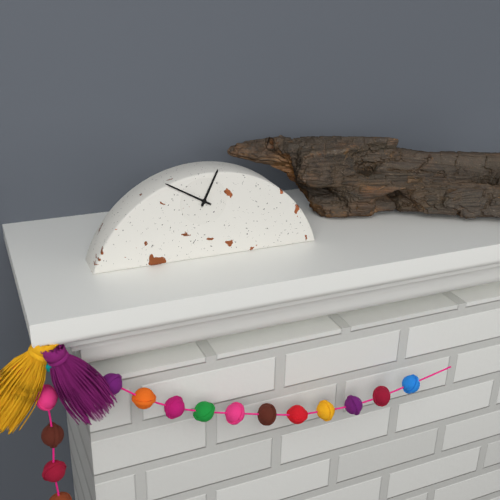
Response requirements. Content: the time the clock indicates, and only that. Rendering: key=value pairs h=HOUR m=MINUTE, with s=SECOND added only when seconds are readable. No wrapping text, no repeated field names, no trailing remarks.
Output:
h=12 m=50
